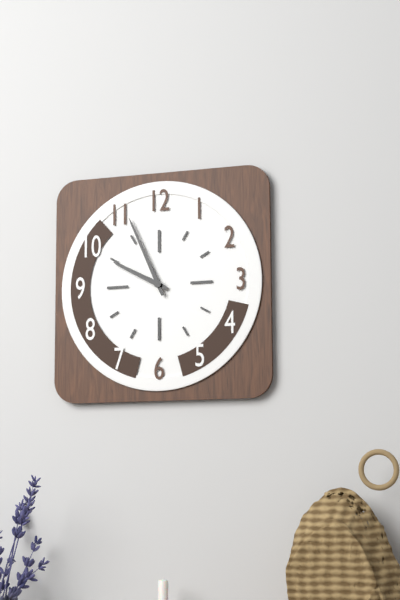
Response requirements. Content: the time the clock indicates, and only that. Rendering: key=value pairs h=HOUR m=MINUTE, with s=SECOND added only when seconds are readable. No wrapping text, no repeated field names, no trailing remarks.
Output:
h=9 m=56
